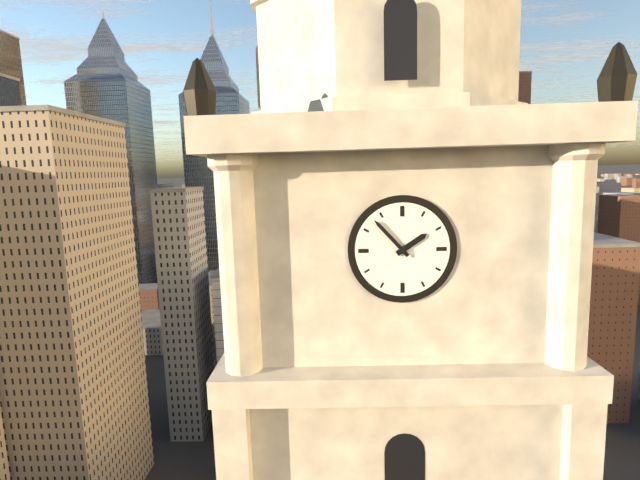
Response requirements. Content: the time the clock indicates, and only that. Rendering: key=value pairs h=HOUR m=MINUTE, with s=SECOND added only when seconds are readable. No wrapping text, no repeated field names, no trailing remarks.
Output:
h=1 m=53
